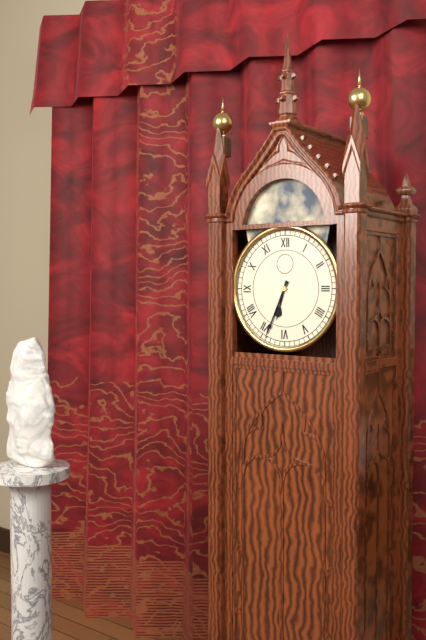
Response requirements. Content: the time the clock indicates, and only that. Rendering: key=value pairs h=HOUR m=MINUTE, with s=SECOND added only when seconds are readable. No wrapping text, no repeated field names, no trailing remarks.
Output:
h=6 m=34
